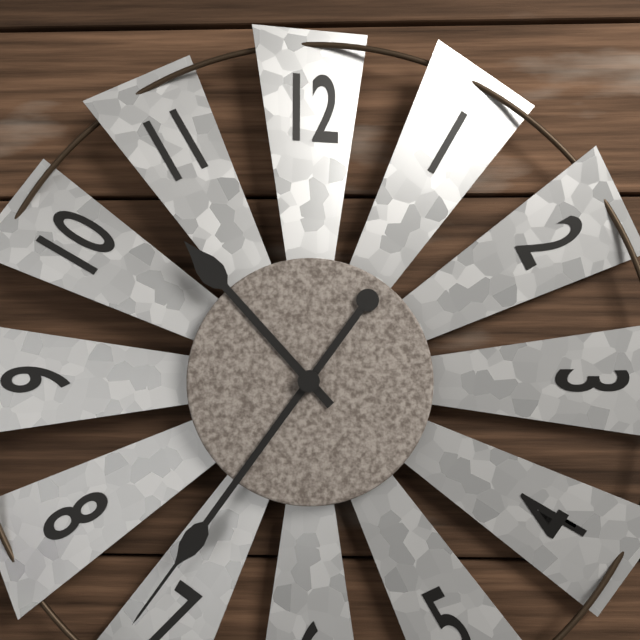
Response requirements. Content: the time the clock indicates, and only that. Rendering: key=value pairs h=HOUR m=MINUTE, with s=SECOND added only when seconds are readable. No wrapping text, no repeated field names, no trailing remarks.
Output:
h=10 m=36
